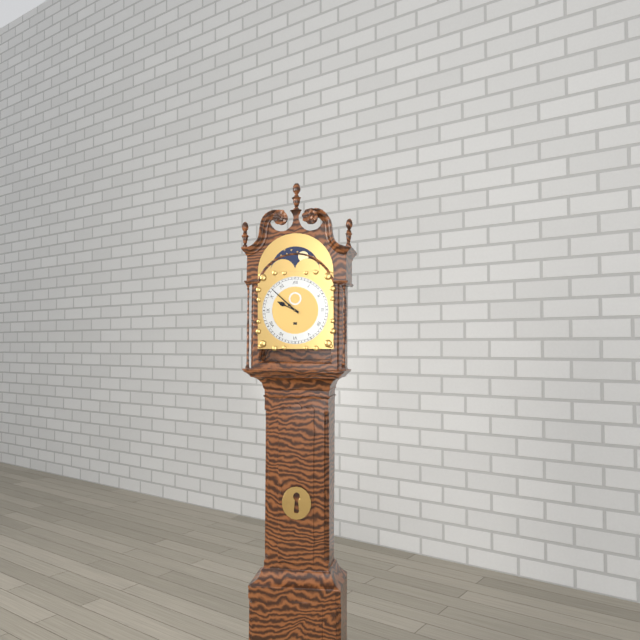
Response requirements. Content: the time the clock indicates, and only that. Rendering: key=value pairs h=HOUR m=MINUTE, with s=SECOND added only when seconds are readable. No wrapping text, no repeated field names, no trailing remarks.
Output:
h=9 m=52
